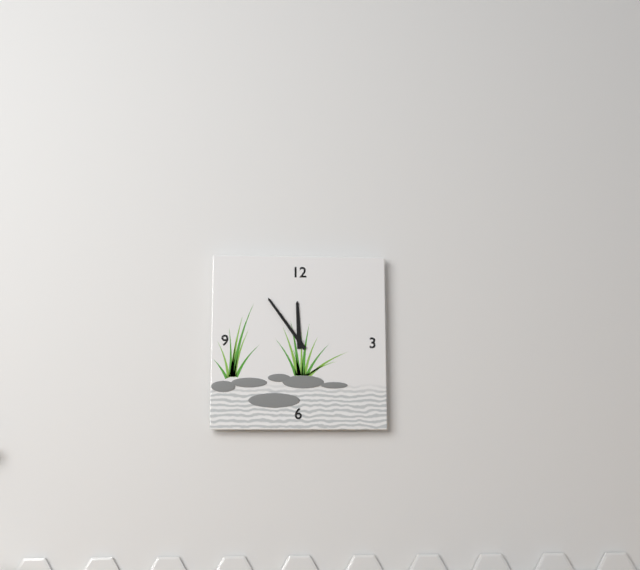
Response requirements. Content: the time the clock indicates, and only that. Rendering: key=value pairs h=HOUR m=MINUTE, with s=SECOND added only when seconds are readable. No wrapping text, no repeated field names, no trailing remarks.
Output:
h=11 m=54
